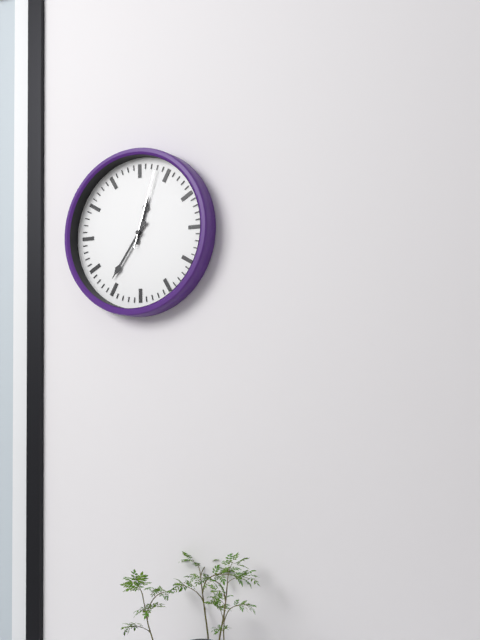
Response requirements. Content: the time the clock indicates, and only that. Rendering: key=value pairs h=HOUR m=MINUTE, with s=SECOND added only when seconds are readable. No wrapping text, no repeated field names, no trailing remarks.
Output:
h=12 m=36 s=3
